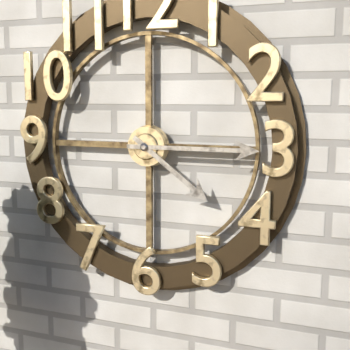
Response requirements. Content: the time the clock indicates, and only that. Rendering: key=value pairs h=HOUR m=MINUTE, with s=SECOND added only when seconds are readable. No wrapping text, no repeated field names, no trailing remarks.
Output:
h=4 m=15
